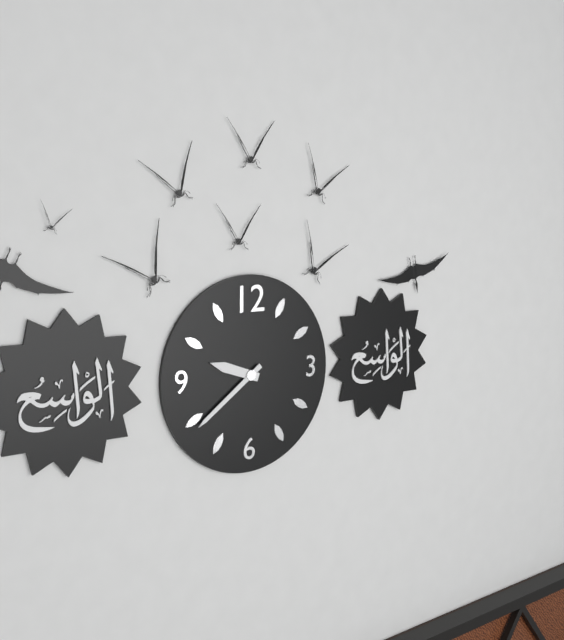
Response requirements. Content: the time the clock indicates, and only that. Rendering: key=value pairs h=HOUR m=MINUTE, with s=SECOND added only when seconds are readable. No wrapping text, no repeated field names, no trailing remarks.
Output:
h=9 m=39
